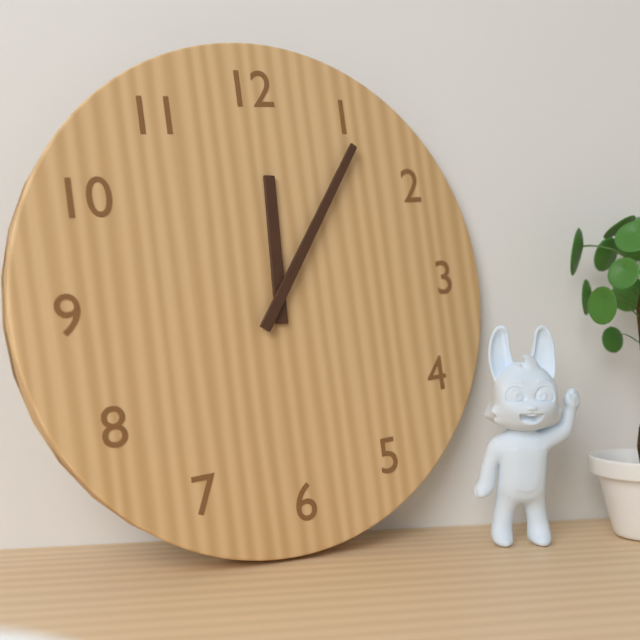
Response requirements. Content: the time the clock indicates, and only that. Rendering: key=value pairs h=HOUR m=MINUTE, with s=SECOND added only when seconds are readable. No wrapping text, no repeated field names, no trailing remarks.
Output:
h=12 m=6
